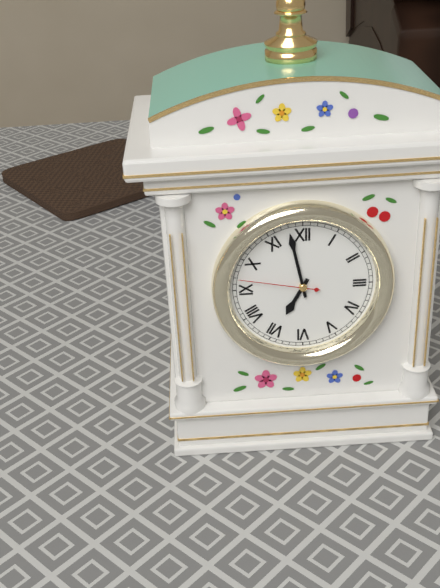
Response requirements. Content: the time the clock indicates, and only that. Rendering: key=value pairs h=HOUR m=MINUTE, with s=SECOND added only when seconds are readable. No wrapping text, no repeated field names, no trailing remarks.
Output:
h=6 m=58 s=47
